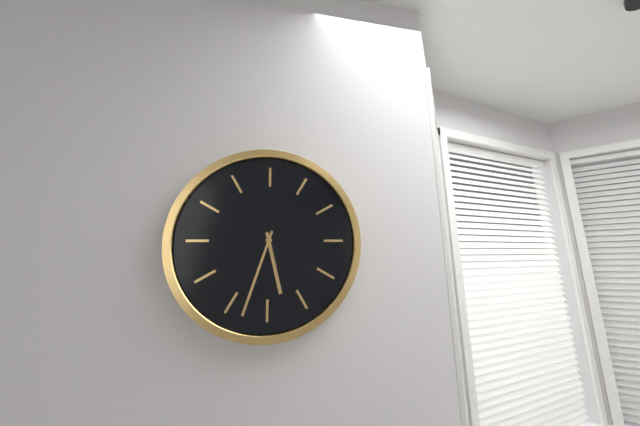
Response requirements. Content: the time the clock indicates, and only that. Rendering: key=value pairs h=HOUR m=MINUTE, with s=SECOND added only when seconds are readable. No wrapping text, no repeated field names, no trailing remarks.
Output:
h=5 m=33
